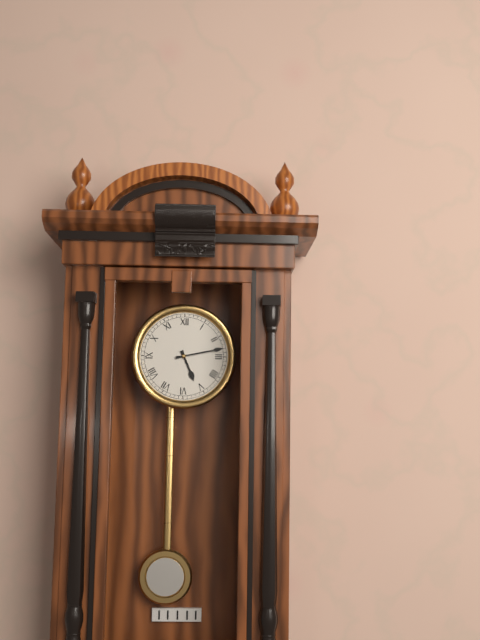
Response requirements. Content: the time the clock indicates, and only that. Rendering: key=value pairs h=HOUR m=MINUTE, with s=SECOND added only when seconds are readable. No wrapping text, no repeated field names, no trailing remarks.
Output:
h=5 m=13
